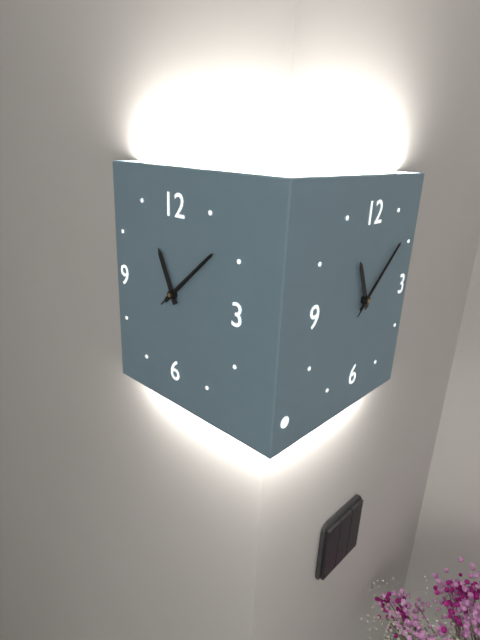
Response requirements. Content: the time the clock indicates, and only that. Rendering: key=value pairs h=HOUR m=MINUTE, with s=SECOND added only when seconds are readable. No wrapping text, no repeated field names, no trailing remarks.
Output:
h=11 m=8 s=8
